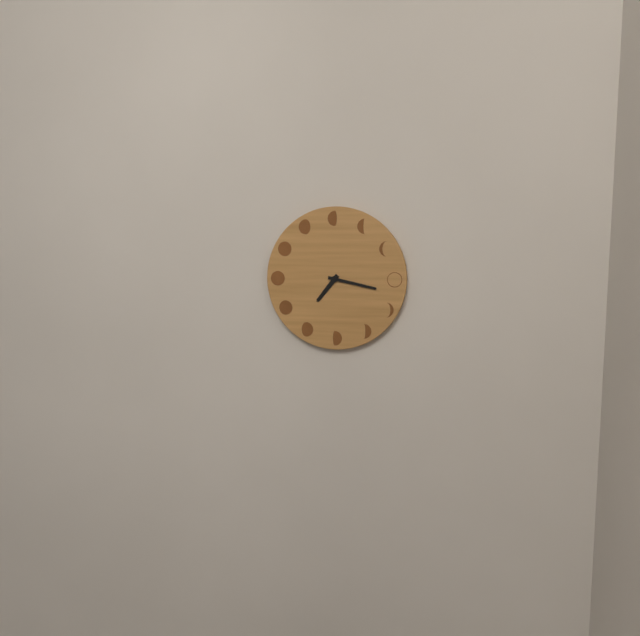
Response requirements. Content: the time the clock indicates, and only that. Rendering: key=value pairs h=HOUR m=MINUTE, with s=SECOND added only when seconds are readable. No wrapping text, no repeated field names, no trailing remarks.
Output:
h=7 m=17
